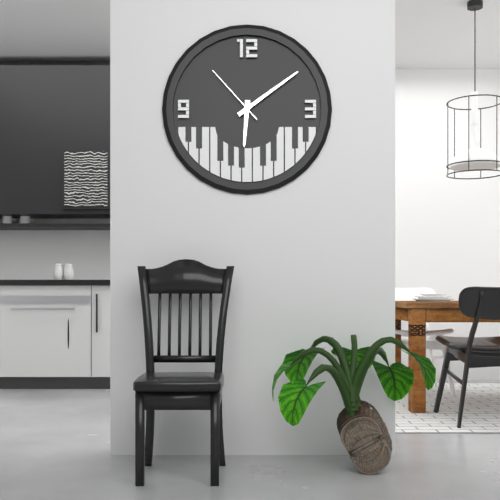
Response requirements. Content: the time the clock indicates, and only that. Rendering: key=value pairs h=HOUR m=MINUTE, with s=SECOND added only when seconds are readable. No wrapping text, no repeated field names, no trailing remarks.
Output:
h=6 m=9 s=53
